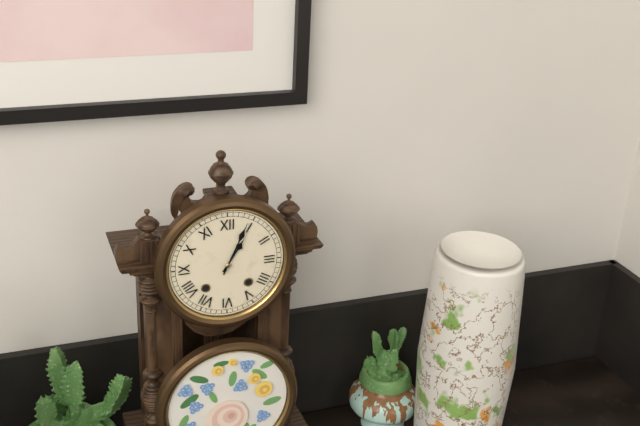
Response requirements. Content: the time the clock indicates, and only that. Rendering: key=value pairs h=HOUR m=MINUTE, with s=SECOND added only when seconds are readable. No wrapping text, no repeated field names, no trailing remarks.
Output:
h=1 m=4
